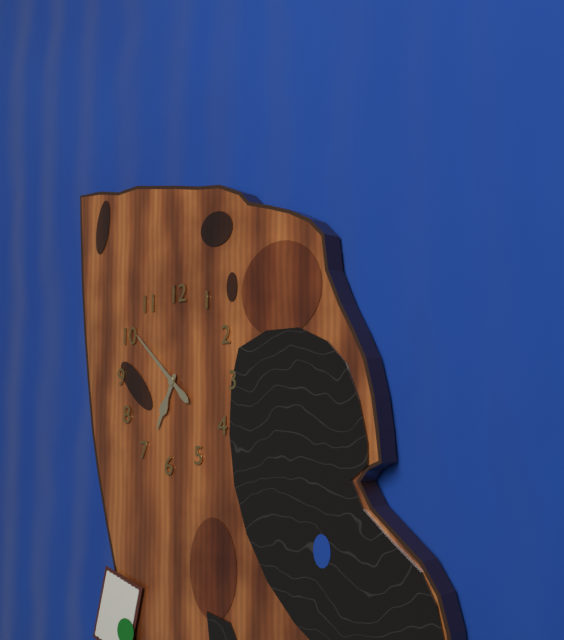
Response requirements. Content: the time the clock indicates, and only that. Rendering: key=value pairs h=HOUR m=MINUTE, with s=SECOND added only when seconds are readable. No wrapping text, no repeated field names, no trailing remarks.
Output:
h=6 m=52
